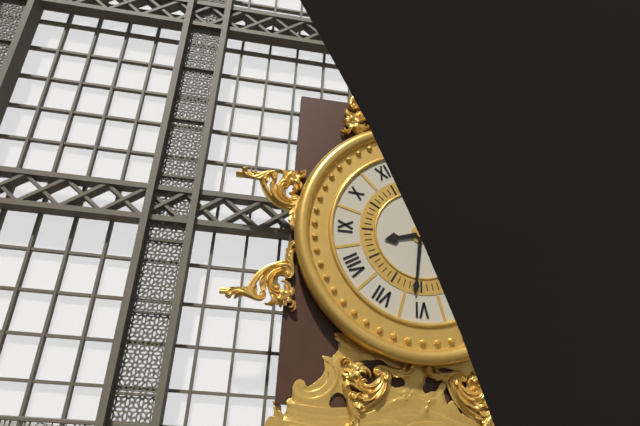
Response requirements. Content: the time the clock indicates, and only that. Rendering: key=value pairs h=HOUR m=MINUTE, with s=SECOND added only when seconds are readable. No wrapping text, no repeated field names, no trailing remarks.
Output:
h=8 m=31
